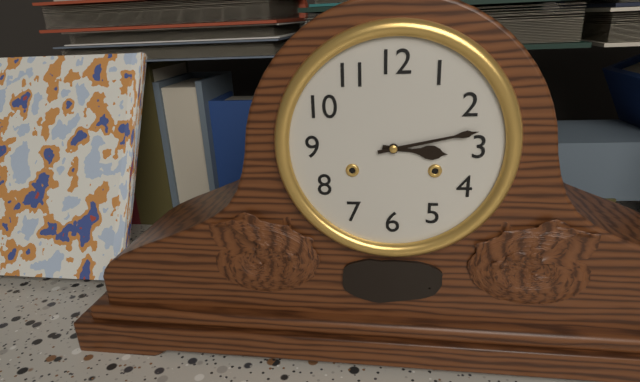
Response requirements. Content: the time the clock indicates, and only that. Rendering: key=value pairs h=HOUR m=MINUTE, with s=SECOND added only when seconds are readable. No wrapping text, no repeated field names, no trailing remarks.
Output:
h=3 m=13
